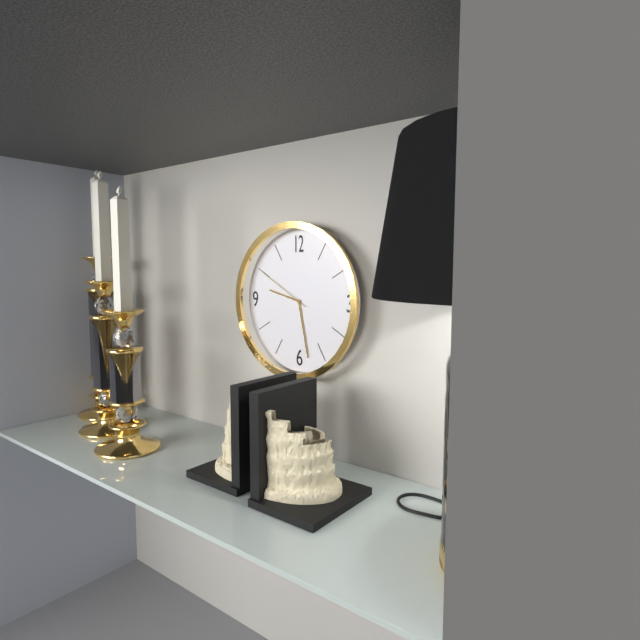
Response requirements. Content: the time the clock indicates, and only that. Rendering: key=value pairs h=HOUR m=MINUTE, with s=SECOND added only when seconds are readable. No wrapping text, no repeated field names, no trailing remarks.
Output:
h=9 m=28 s=50
